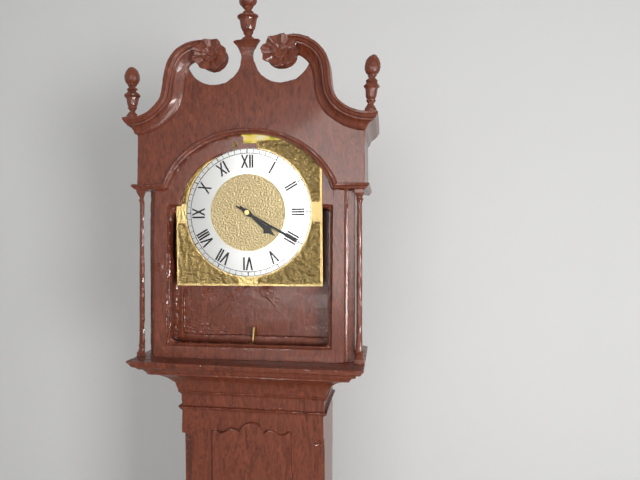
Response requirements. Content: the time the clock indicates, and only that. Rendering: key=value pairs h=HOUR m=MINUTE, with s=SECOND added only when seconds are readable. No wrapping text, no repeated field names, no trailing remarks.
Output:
h=4 m=20
